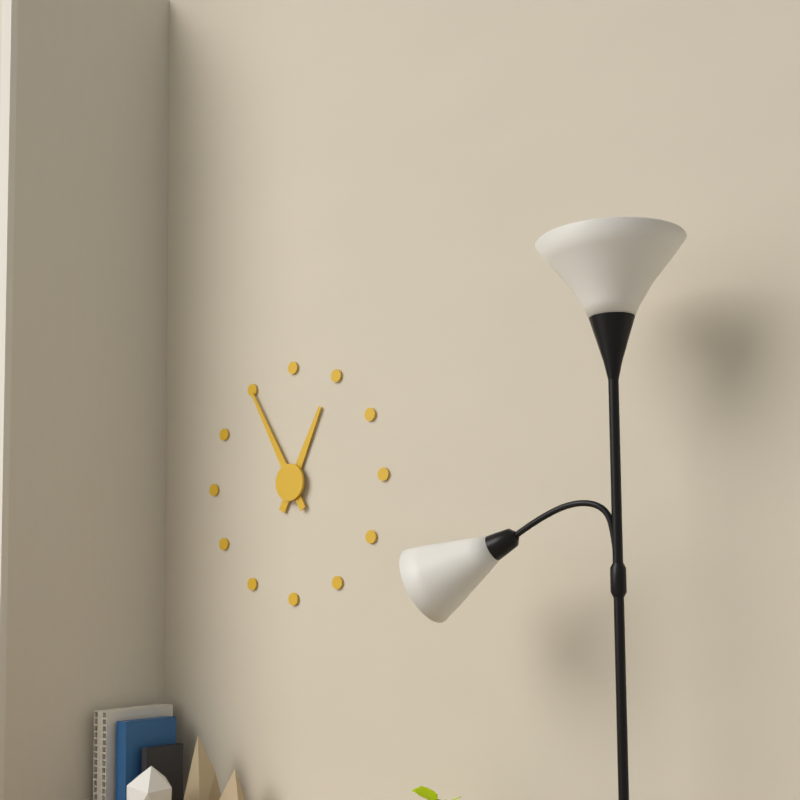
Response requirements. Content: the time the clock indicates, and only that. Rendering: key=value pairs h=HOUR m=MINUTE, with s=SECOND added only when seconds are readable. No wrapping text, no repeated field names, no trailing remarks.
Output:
h=12 m=55
